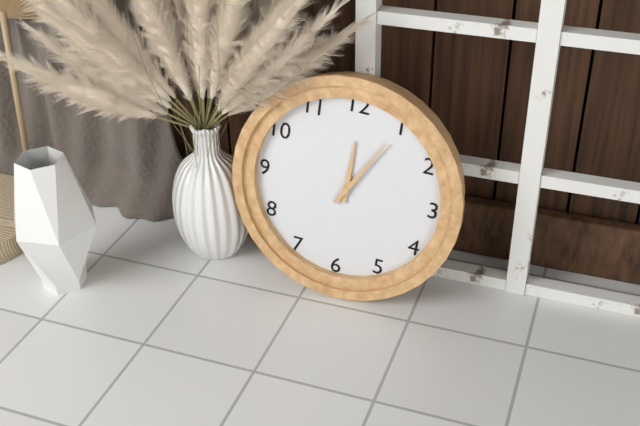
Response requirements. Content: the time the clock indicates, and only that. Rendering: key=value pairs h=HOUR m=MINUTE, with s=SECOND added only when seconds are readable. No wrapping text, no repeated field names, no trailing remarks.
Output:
h=12 m=5
